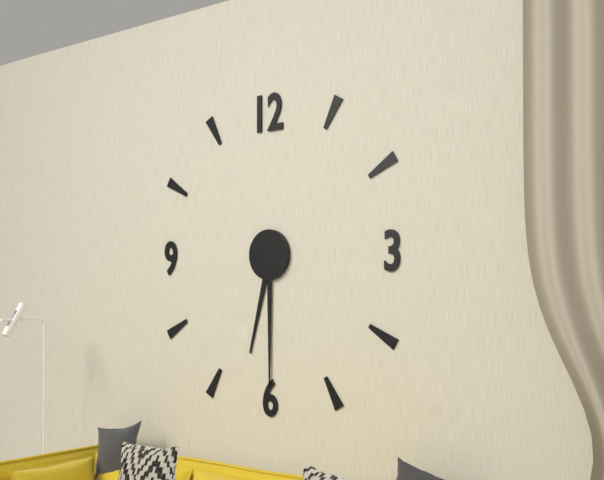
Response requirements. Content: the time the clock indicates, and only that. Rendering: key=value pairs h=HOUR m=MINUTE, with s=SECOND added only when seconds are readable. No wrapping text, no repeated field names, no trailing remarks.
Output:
h=6 m=30
